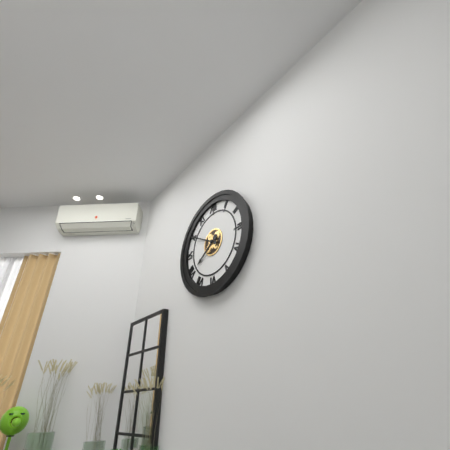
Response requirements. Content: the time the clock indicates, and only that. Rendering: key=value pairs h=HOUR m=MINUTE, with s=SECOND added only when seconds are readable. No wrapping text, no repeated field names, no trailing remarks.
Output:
h=7 m=50
